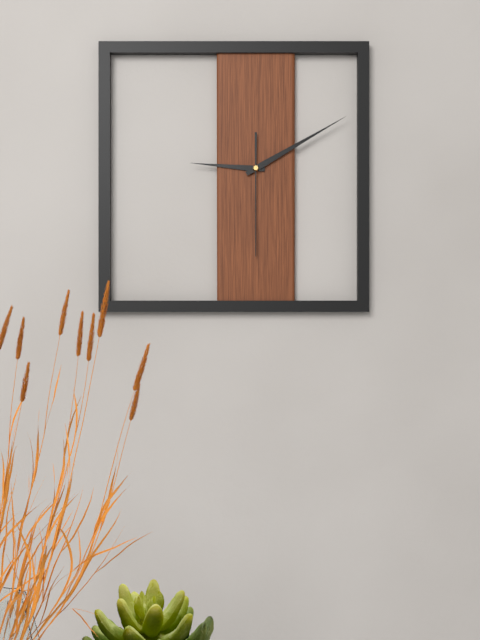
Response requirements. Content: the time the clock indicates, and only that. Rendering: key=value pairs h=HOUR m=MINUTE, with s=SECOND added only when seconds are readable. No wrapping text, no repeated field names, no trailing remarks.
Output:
h=9 m=10 s=30
